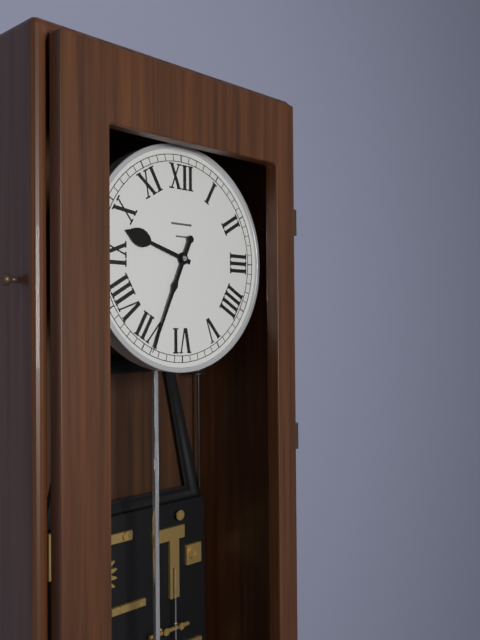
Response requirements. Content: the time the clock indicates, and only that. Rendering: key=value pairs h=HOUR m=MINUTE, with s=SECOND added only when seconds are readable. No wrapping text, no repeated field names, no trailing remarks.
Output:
h=9 m=34
